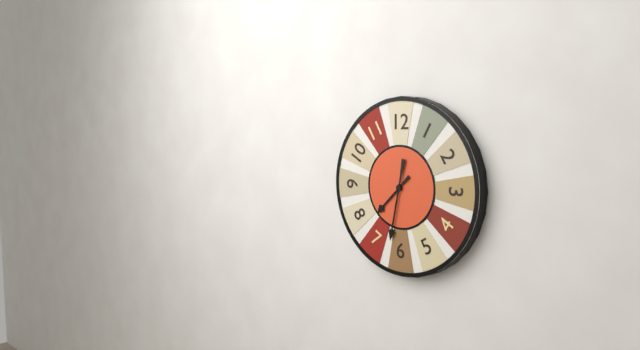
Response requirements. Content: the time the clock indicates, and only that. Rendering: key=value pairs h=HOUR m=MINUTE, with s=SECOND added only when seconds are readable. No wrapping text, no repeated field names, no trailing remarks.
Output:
h=7 m=32
